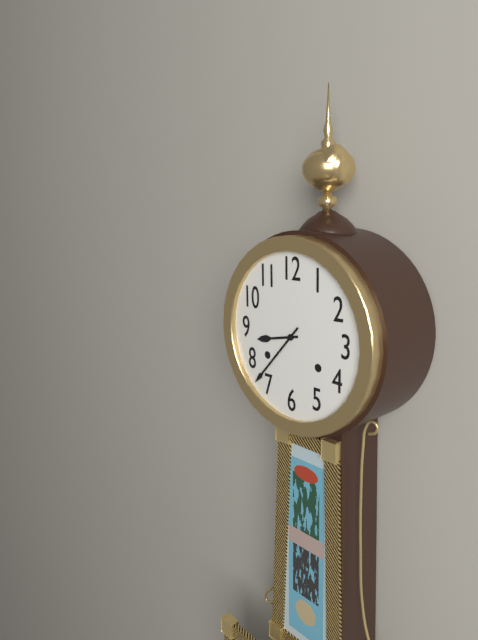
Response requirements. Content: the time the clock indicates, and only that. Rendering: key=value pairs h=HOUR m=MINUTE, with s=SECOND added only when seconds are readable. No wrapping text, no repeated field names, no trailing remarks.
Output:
h=8 m=37
